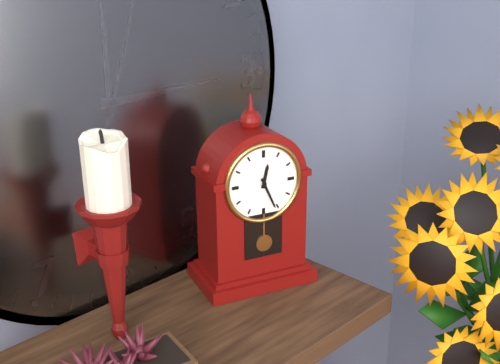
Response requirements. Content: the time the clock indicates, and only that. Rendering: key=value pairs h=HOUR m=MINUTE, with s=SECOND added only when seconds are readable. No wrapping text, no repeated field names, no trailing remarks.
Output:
h=12 m=26
